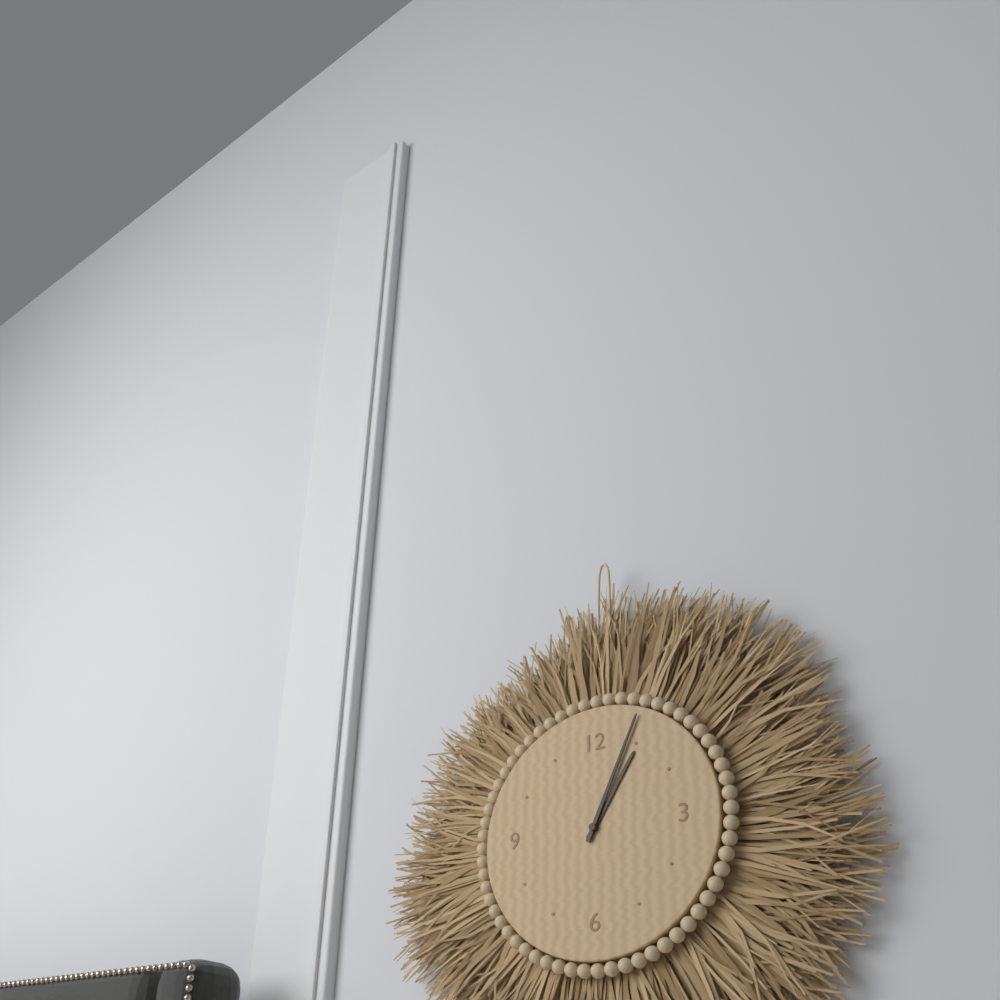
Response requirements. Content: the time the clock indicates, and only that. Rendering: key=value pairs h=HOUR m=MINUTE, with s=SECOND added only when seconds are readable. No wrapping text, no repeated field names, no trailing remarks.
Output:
h=1 m=4
